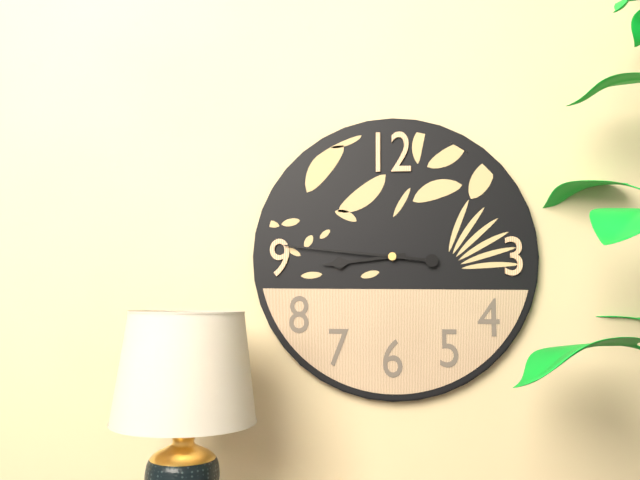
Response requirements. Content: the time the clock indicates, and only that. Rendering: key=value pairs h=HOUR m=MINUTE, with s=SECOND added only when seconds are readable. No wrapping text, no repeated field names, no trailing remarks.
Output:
h=8 m=46
